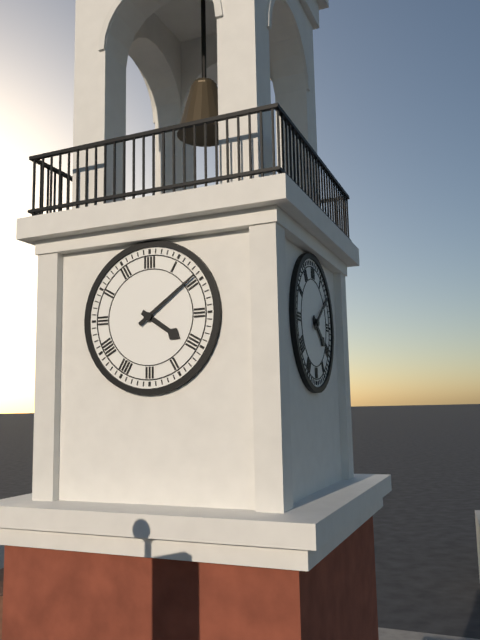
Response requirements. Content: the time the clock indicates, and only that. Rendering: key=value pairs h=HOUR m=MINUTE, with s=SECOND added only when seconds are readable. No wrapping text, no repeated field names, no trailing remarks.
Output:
h=4 m=9
